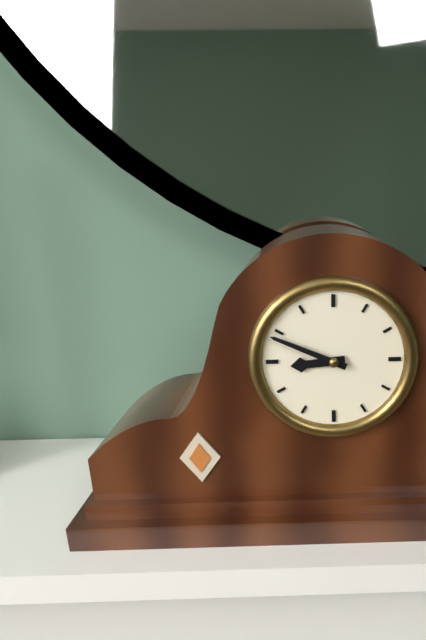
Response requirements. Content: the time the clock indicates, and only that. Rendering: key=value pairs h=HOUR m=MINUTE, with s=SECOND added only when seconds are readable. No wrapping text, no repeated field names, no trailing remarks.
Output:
h=8 m=49
